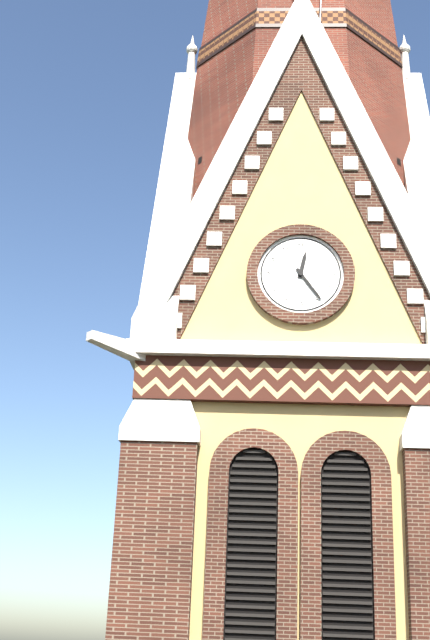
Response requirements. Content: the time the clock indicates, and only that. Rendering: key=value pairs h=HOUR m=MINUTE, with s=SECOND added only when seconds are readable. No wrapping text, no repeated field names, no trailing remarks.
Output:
h=12 m=24
